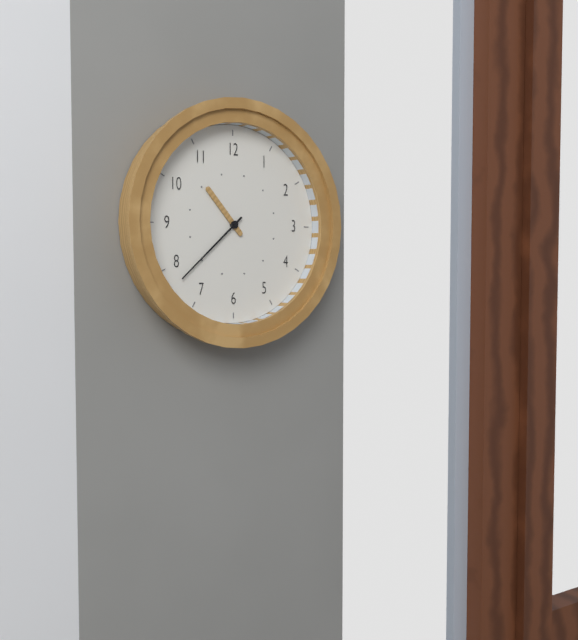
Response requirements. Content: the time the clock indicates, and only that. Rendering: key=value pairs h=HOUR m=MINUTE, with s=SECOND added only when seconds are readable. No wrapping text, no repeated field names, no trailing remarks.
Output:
h=10 m=38
